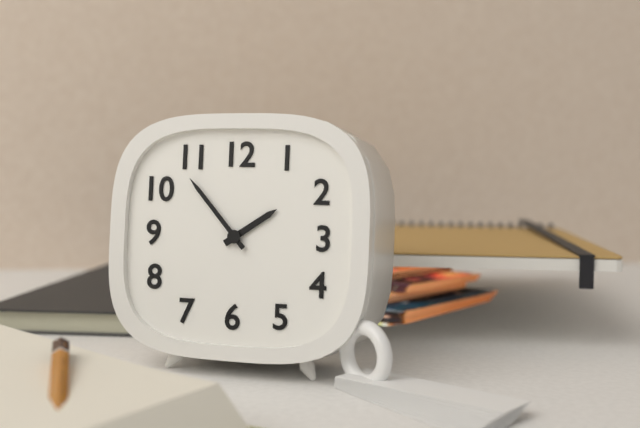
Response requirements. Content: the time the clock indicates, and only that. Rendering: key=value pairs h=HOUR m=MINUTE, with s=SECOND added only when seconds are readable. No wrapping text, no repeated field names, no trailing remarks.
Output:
h=1 m=53
